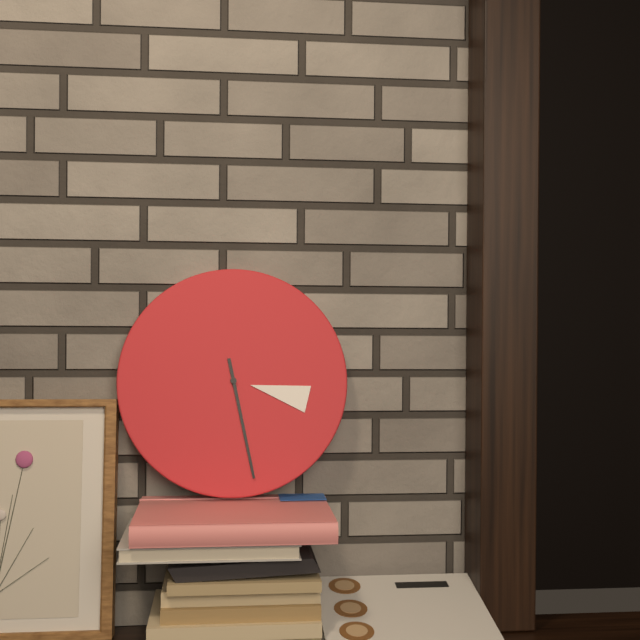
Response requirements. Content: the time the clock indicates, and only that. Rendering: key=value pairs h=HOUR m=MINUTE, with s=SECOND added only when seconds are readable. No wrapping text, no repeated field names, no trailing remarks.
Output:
h=3 m=28
